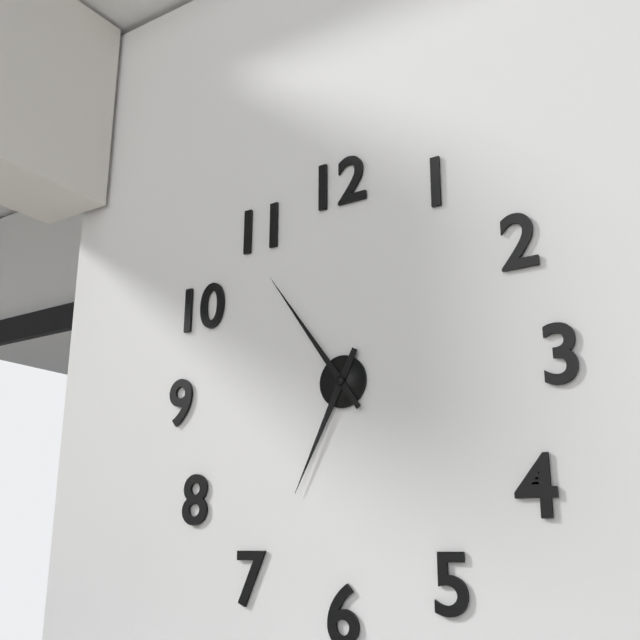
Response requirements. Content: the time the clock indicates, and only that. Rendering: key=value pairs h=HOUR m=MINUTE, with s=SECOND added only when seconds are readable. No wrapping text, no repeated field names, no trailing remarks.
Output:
h=6 m=54
